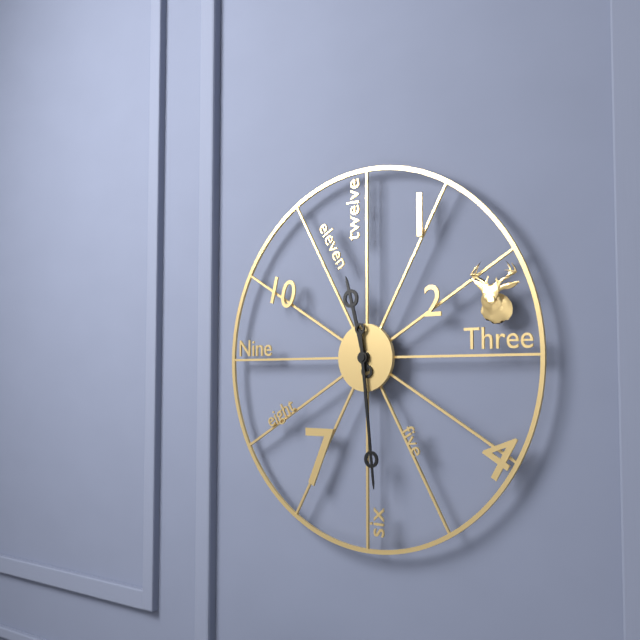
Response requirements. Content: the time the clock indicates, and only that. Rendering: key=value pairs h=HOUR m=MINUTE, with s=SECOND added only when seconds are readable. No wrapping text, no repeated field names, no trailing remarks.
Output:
h=11 m=29
